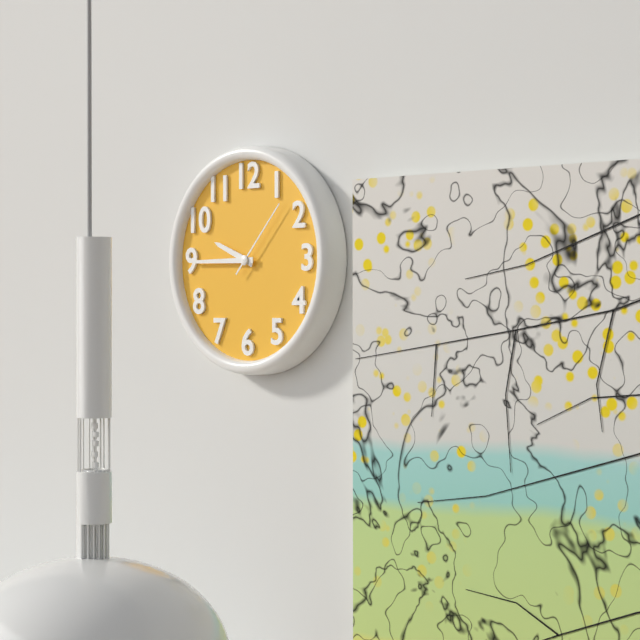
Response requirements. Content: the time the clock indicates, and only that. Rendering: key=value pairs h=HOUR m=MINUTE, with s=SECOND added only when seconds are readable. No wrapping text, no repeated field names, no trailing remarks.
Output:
h=9 m=45 s=7
